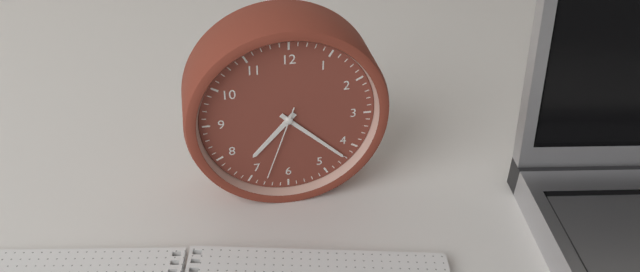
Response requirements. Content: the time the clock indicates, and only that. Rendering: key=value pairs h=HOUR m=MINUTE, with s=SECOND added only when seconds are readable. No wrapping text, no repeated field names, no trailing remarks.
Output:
h=7 m=22 s=33
